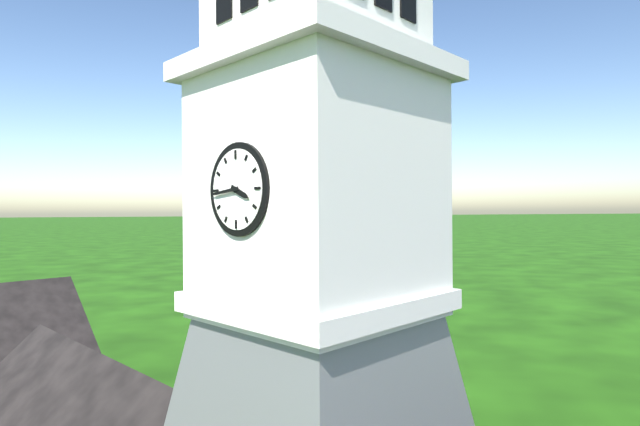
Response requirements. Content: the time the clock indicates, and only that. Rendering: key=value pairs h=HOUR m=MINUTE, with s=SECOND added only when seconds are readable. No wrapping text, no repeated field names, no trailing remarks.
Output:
h=3 m=44
